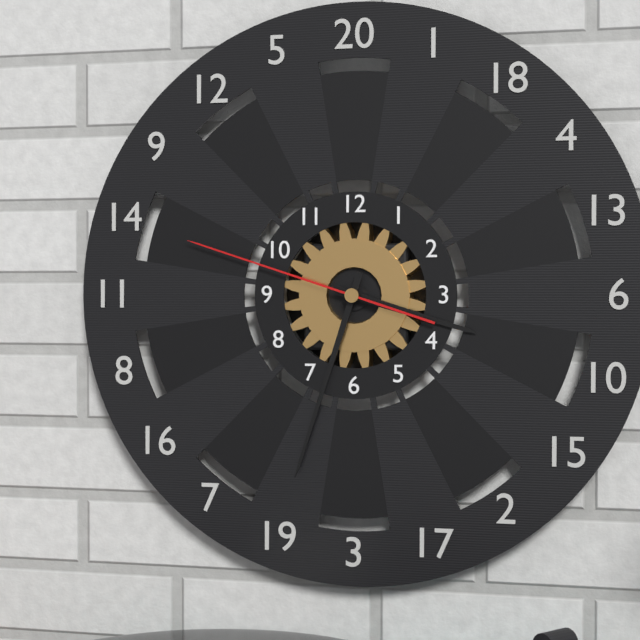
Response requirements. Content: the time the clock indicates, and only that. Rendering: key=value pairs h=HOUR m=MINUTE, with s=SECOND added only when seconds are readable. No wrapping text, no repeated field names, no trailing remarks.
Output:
h=3 m=33 s=48
